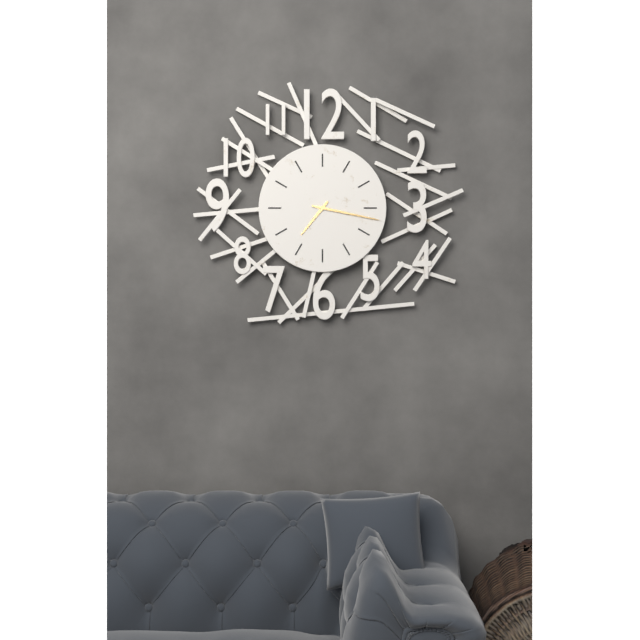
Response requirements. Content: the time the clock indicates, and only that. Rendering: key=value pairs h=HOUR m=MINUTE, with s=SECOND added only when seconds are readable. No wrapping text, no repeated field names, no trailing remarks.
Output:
h=7 m=17
